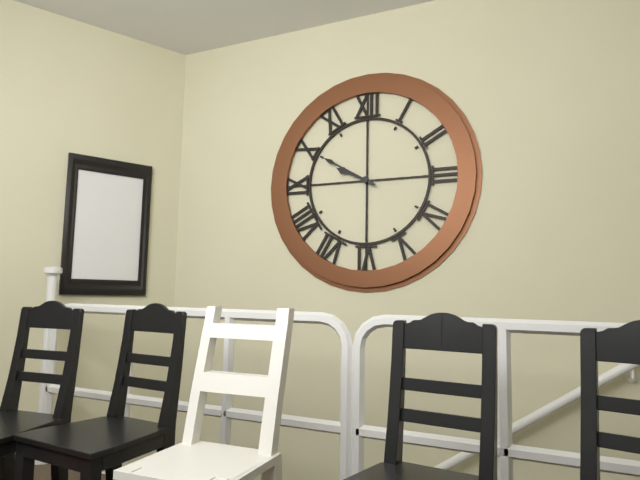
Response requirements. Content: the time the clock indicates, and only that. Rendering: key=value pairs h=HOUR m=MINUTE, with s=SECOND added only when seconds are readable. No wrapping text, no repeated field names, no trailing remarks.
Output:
h=9 m=50
